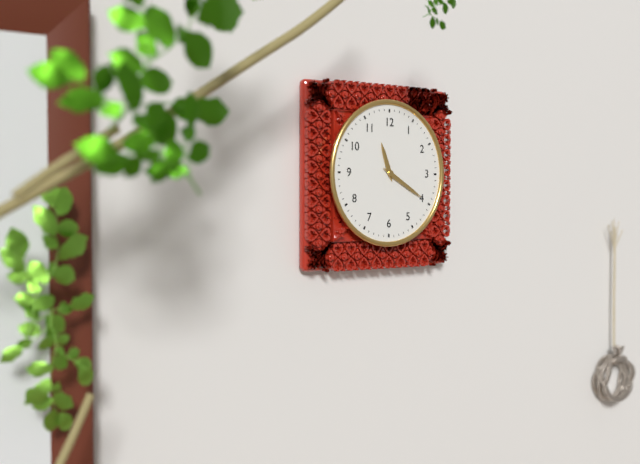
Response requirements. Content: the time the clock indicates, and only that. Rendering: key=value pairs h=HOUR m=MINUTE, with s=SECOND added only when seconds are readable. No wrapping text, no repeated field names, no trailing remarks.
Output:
h=11 m=20
